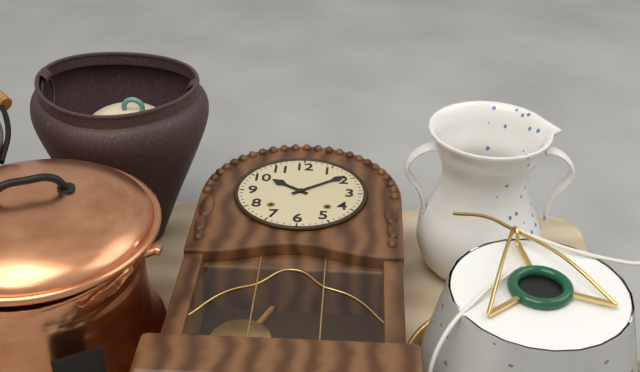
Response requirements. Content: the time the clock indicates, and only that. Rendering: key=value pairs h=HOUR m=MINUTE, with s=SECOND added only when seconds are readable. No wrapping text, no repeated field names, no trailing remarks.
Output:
h=10 m=9
